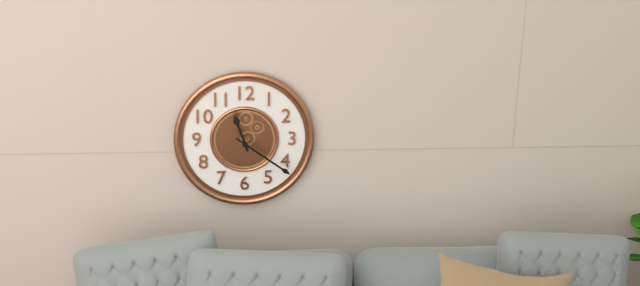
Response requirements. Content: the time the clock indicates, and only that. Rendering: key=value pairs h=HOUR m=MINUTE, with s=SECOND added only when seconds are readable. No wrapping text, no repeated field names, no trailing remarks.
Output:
h=11 m=21
